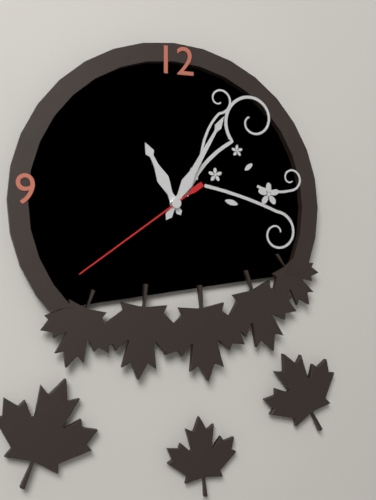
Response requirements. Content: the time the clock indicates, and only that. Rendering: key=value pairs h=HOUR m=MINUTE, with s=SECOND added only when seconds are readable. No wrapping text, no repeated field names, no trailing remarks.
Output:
h=11 m=5 s=39
